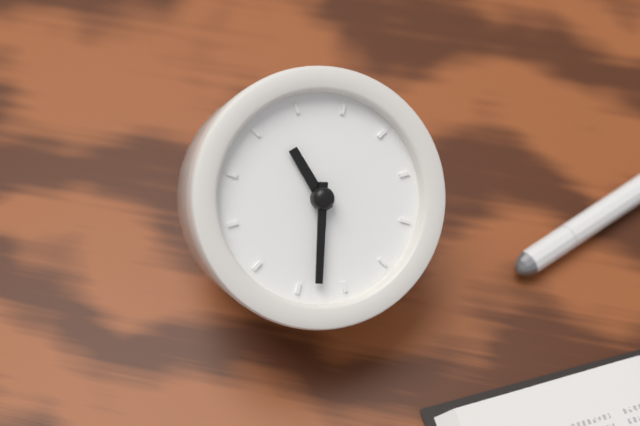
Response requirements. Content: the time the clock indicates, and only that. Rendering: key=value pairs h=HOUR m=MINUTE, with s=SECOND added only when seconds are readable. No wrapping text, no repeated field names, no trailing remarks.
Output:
h=10 m=28
